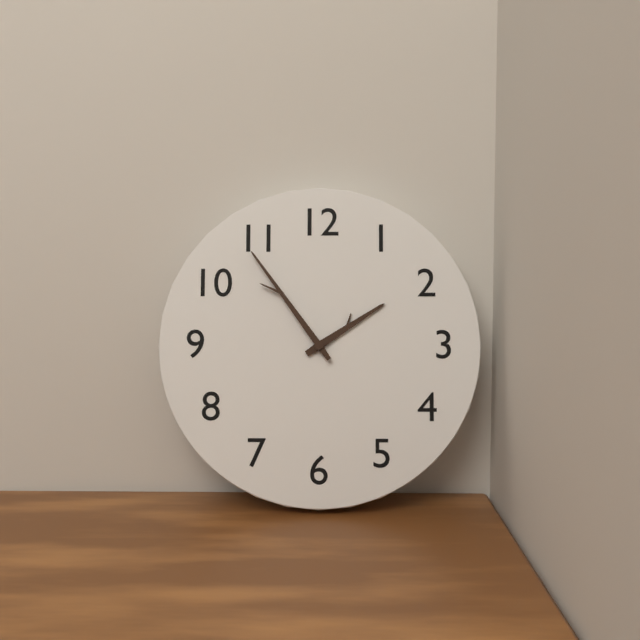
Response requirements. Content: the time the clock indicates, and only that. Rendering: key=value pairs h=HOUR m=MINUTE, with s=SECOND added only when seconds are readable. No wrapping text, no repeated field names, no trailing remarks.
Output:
h=1 m=54
